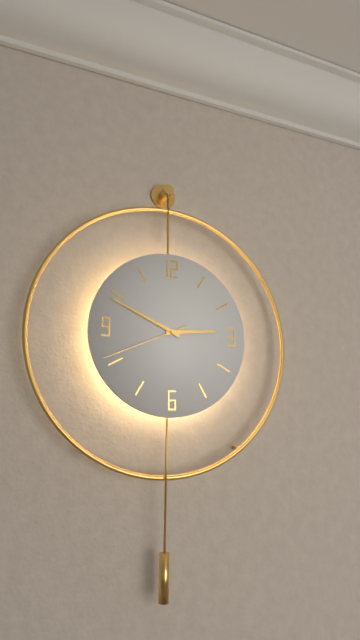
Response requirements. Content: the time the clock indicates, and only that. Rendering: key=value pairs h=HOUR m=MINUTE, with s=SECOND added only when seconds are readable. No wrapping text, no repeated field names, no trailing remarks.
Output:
h=2 m=49 s=41
